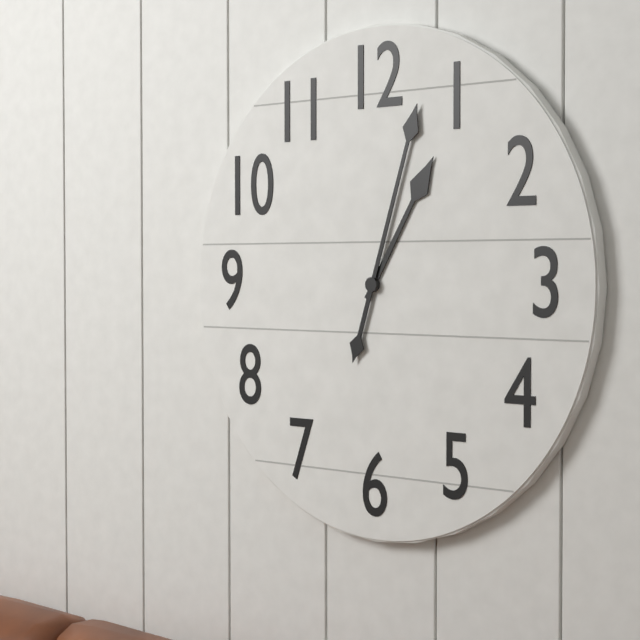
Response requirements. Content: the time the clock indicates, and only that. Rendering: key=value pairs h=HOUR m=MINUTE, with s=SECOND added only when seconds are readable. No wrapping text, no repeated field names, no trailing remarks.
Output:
h=1 m=3
